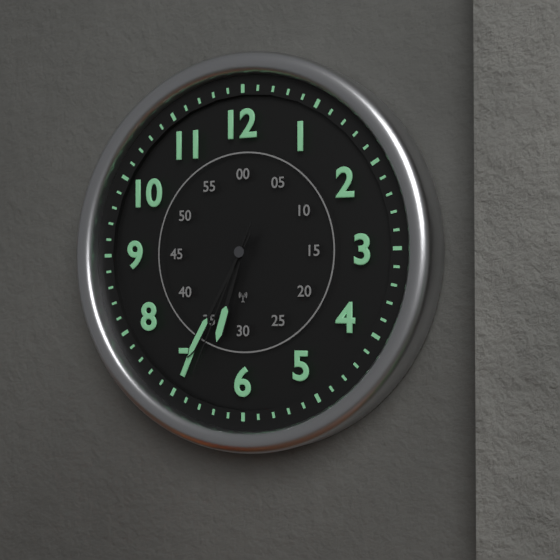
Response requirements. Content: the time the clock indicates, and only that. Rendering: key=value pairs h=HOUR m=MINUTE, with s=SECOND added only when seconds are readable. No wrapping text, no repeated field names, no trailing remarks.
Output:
h=6 m=35 s=34
